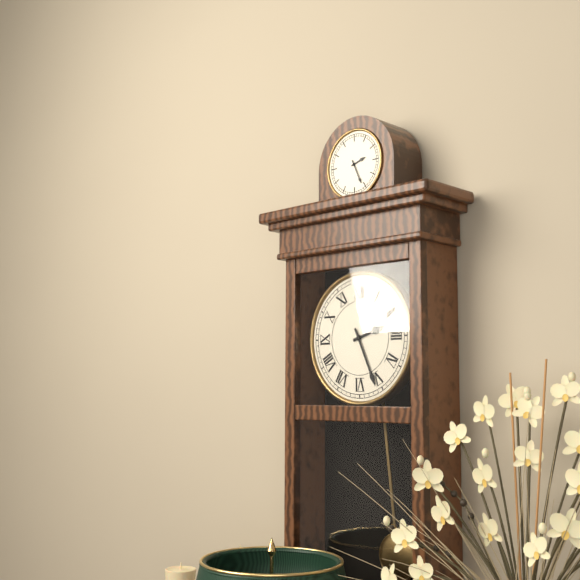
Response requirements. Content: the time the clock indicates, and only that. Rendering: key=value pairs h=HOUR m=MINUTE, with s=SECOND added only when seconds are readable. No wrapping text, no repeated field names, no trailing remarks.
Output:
h=2 m=26
